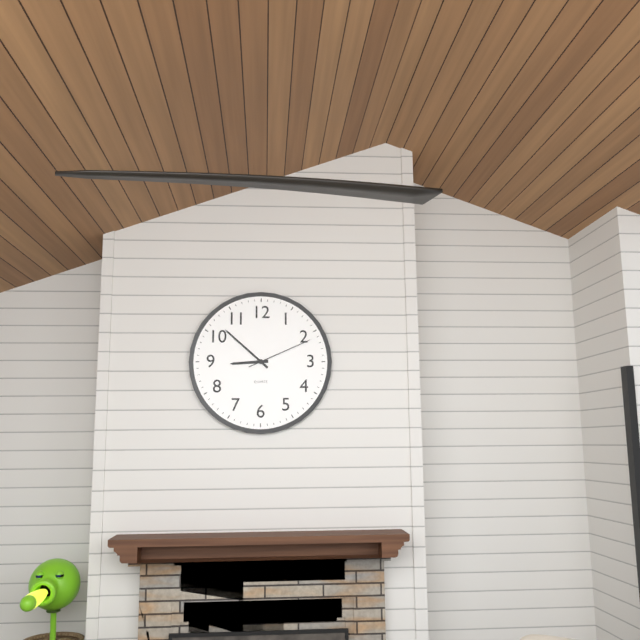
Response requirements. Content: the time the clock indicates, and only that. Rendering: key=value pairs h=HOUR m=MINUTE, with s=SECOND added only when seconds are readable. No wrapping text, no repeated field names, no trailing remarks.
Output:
h=8 m=52 s=11
